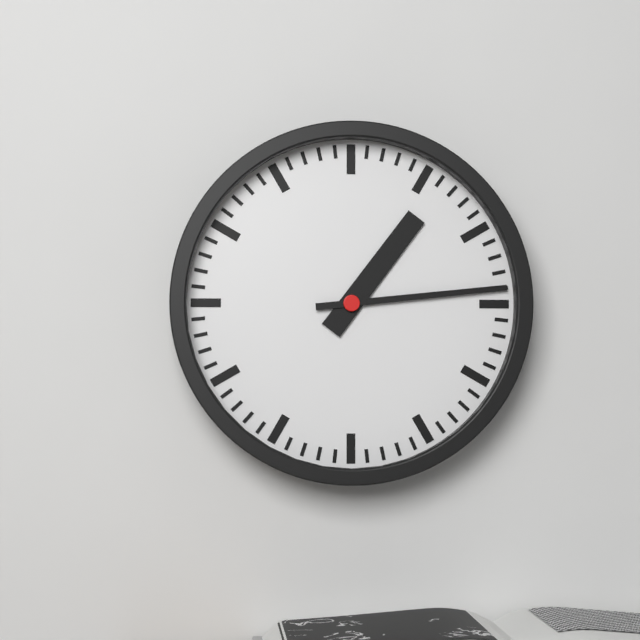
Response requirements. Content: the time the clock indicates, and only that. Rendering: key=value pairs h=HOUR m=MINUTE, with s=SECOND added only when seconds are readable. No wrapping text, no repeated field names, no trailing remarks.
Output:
h=1 m=14
